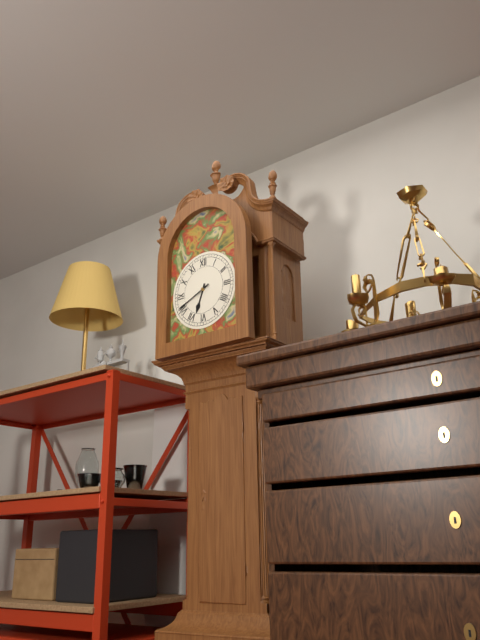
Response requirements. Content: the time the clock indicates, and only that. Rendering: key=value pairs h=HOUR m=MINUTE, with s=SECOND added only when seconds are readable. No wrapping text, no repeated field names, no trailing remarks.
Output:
h=6 m=41
